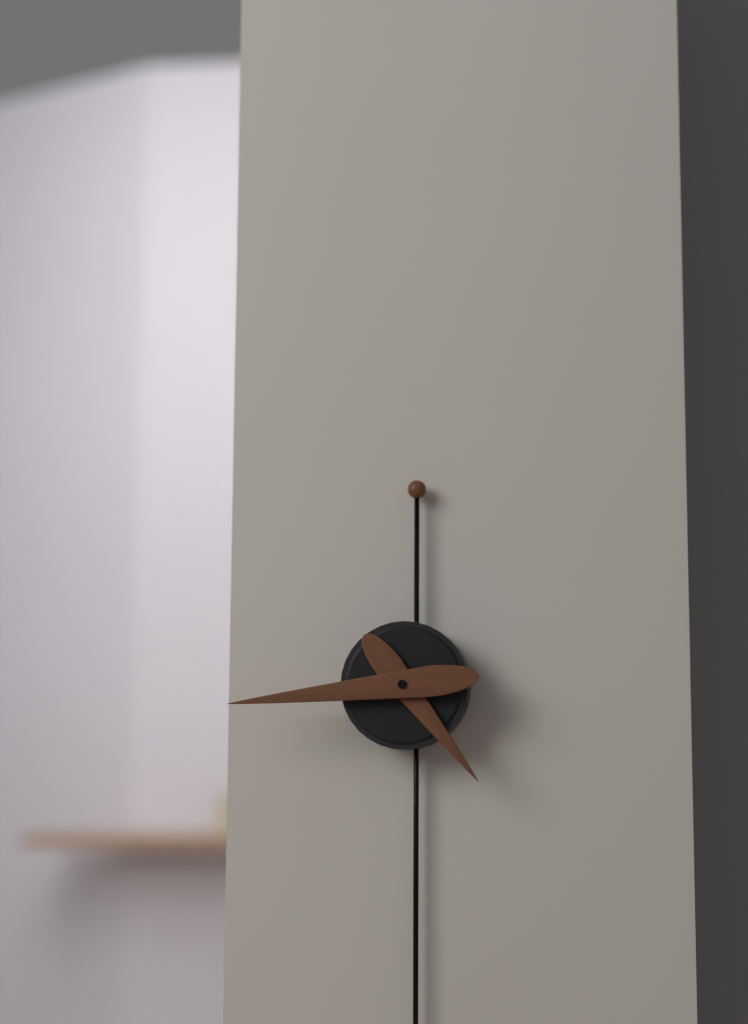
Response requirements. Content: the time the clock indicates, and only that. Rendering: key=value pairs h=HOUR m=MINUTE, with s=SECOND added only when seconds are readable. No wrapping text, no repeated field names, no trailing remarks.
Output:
h=4 m=44
